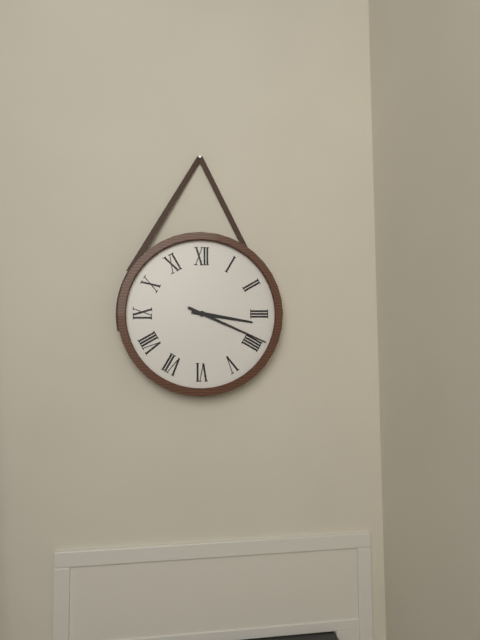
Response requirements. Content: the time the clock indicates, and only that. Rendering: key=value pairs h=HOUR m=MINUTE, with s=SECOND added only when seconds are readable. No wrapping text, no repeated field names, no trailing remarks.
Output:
h=3 m=19
